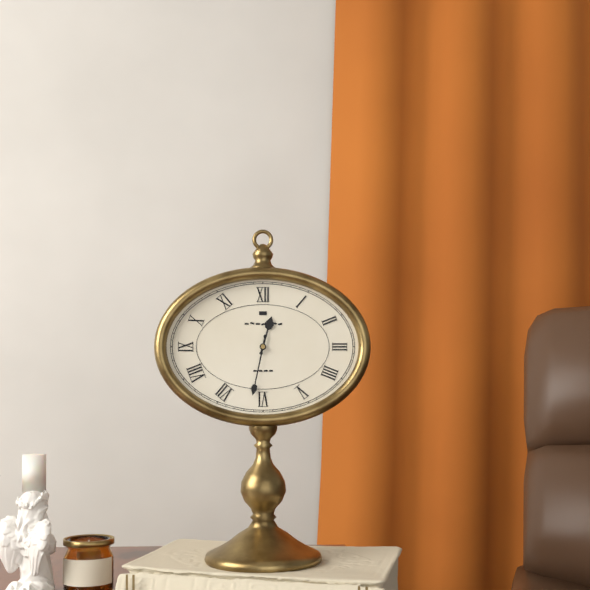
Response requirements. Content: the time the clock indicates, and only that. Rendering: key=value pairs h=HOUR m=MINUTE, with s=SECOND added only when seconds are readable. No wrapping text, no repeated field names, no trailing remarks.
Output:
h=12 m=32
